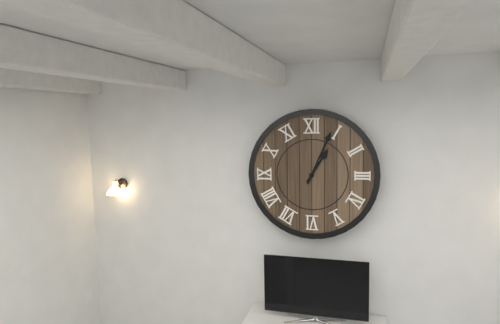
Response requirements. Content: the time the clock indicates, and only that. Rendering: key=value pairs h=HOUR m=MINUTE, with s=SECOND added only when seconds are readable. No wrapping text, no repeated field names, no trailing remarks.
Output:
h=1 m=4
